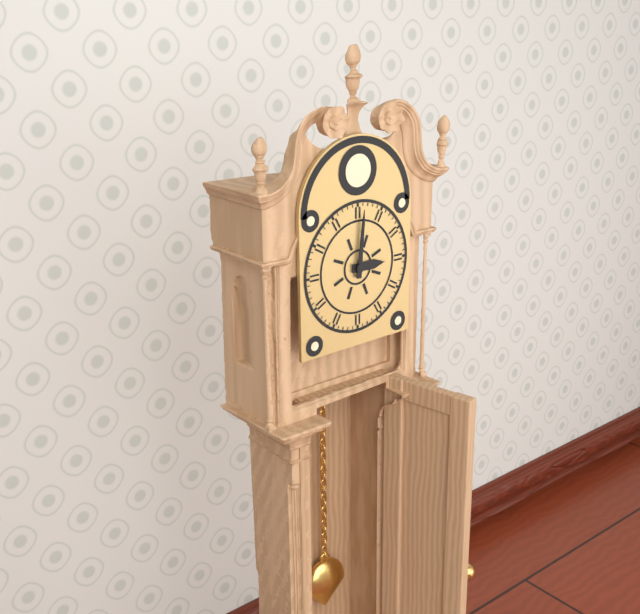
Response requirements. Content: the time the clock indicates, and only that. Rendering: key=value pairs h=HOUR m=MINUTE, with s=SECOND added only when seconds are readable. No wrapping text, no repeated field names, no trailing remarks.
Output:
h=3 m=1
